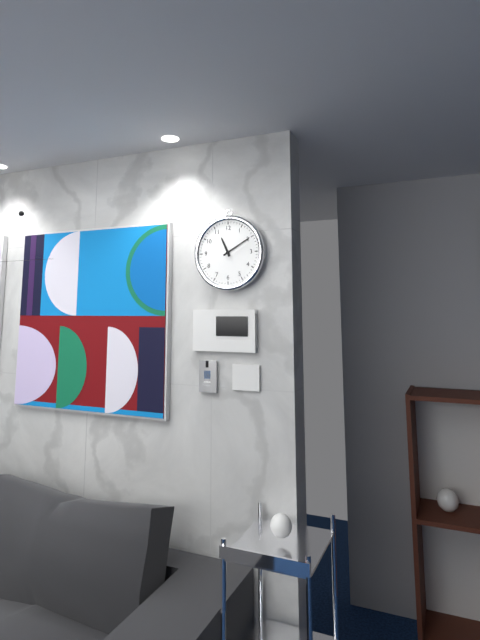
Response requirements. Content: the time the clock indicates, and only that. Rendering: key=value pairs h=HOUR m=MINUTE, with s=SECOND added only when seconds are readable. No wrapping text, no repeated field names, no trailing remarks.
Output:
h=11 m=10
